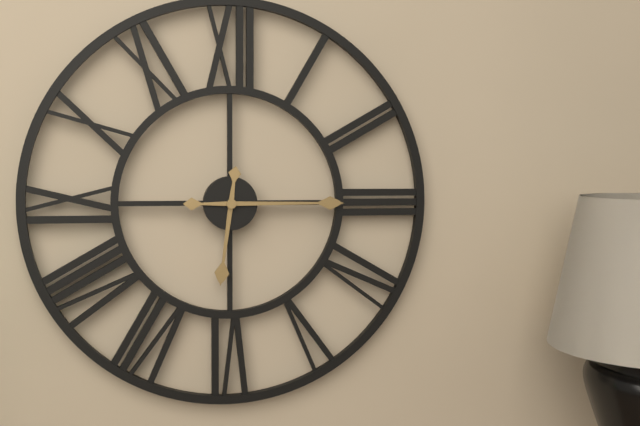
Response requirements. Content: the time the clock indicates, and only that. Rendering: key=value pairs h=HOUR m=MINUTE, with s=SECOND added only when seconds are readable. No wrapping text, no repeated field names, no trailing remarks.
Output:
h=6 m=15
